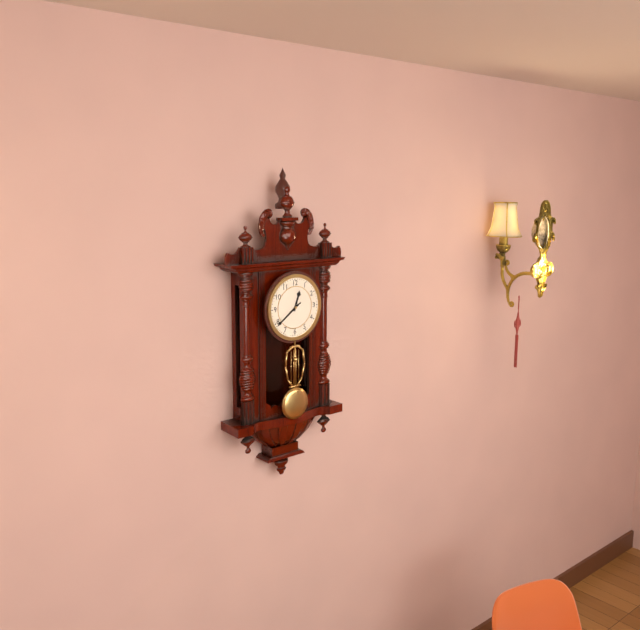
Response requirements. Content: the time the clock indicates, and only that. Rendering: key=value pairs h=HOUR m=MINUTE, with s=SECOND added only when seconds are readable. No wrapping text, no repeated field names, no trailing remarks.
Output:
h=12 m=39
